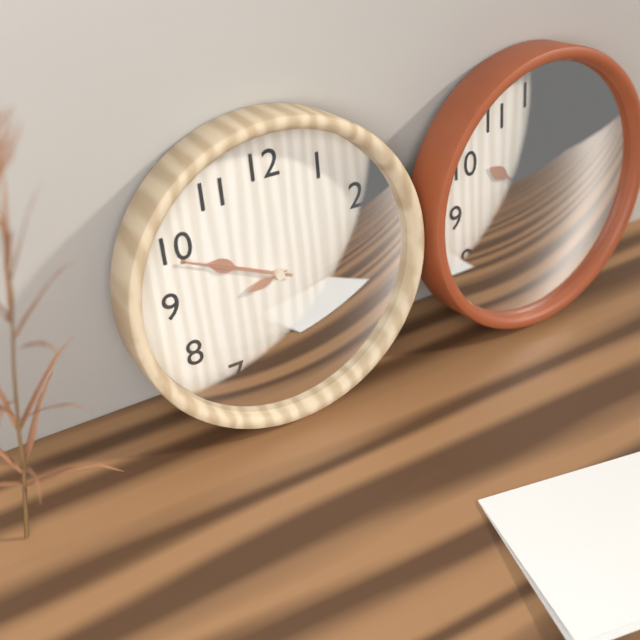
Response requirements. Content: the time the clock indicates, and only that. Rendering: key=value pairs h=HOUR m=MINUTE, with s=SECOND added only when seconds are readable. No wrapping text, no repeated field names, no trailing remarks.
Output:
h=9 m=49
